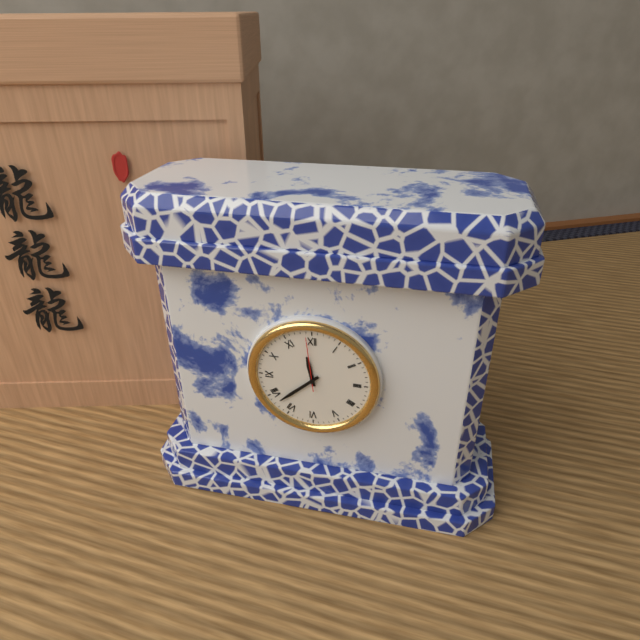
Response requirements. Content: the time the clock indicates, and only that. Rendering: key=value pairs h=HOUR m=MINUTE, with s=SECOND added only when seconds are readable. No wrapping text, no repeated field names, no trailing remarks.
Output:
h=11 m=38
